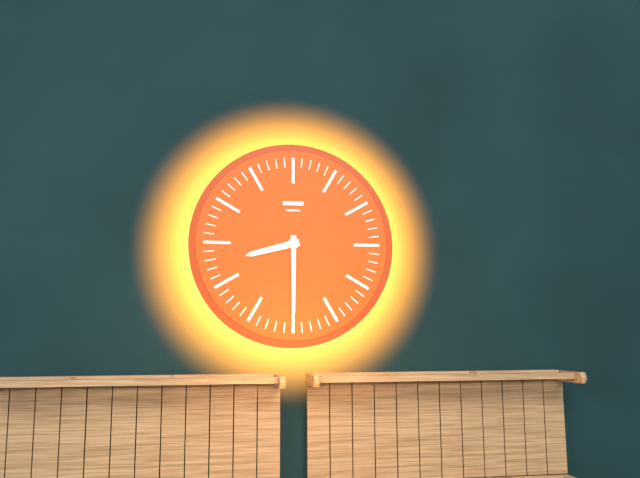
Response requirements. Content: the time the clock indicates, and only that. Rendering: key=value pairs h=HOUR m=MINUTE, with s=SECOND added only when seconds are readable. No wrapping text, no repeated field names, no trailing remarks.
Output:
h=8 m=30
